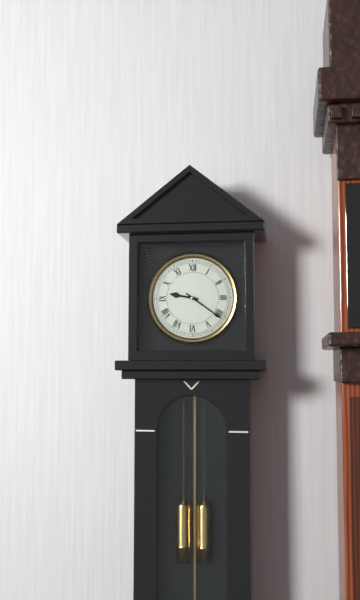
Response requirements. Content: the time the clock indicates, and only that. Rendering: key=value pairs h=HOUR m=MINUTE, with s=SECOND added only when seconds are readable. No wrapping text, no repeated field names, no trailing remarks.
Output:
h=9 m=21
